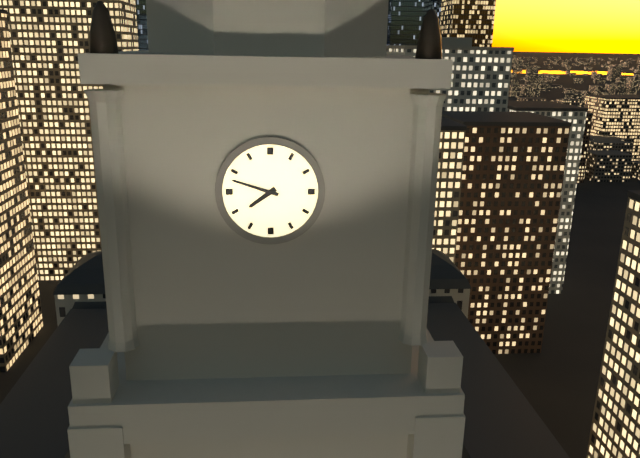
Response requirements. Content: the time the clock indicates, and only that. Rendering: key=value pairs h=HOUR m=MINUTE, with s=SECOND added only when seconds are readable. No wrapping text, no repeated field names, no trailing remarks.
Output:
h=7 m=48
